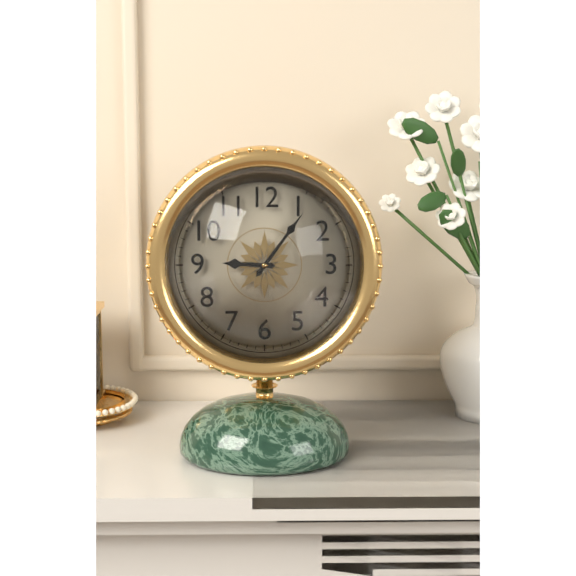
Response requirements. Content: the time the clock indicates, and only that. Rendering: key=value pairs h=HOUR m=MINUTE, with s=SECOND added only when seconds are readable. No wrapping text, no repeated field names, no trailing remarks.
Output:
h=9 m=6
